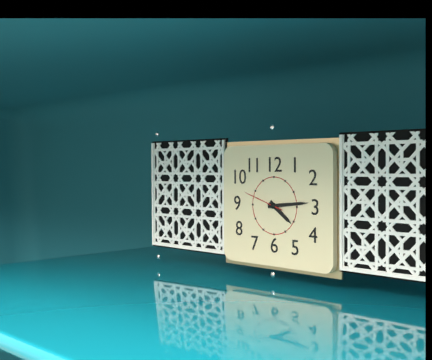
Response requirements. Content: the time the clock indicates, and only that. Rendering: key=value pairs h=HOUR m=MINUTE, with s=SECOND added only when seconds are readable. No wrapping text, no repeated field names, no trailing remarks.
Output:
h=4 m=14
